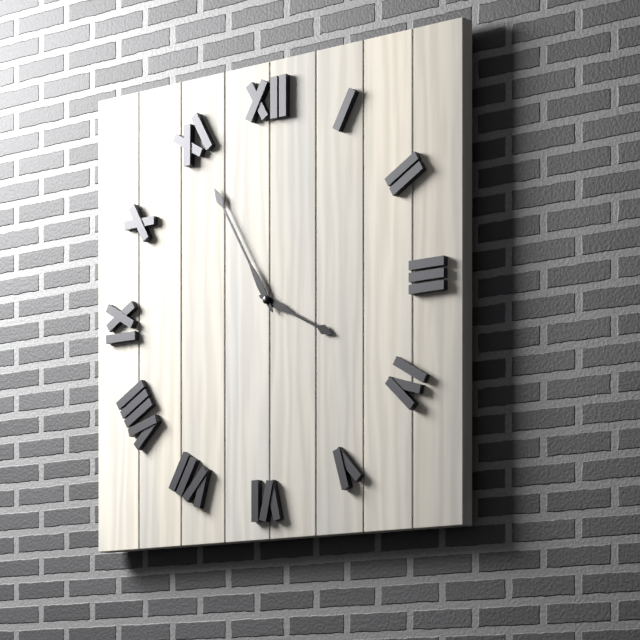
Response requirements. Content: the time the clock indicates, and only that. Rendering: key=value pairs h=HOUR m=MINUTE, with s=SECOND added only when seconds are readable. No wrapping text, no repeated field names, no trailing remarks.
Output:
h=3 m=55
